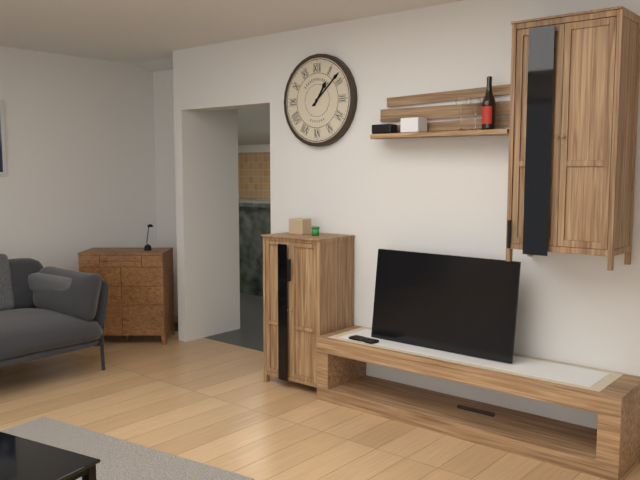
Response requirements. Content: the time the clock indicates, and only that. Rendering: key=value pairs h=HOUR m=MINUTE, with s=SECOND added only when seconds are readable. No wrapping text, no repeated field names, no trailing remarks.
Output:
h=1 m=8
